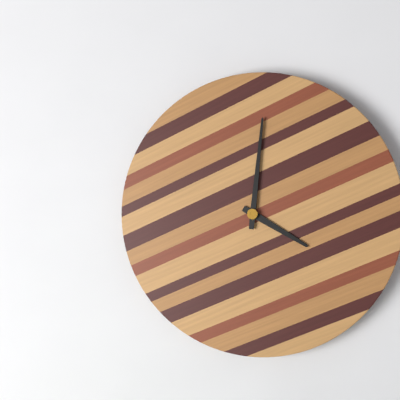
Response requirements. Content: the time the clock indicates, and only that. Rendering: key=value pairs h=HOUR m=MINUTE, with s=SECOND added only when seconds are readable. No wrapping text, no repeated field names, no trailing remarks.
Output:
h=4 m=1
